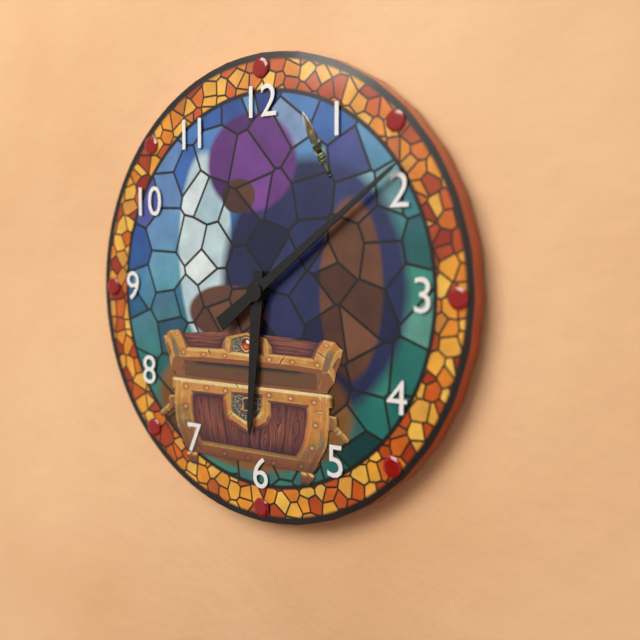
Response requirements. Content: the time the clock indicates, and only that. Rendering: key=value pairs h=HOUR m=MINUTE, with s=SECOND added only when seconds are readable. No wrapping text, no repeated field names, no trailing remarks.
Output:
h=6 m=9
